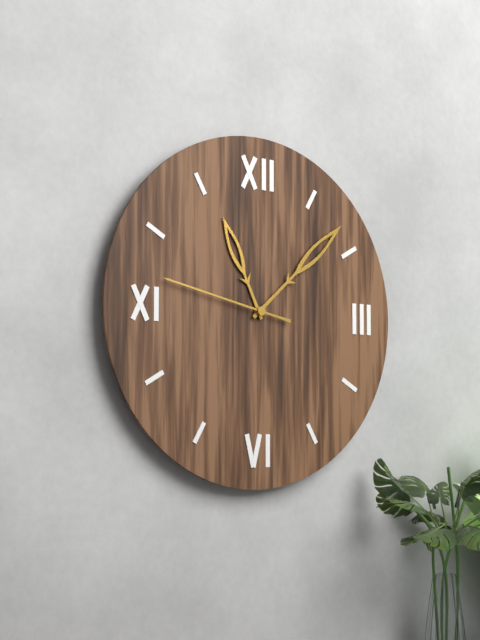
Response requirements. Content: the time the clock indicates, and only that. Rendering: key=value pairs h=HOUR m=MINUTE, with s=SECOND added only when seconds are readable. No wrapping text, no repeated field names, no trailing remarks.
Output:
h=11 m=8 s=47
